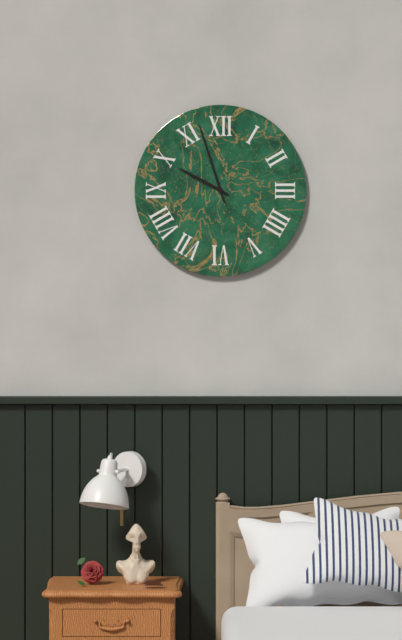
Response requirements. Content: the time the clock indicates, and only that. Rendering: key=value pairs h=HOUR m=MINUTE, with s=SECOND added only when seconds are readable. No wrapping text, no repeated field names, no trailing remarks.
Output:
h=9 m=57
